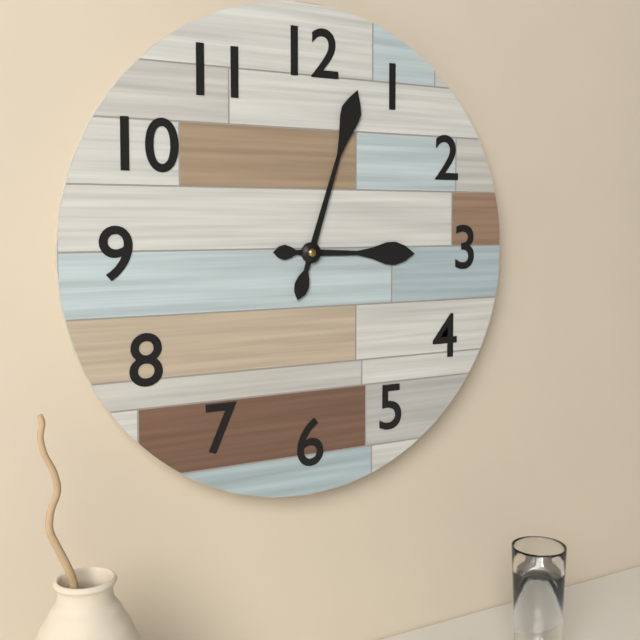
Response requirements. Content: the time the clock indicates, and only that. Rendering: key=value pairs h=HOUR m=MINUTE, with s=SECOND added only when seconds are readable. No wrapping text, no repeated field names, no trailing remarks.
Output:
h=3 m=3
